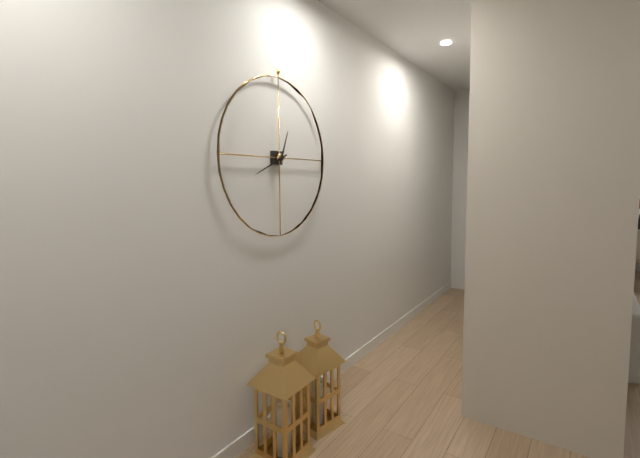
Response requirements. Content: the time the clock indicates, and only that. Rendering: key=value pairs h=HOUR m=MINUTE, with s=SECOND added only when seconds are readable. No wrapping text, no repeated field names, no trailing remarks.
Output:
h=12 m=41
